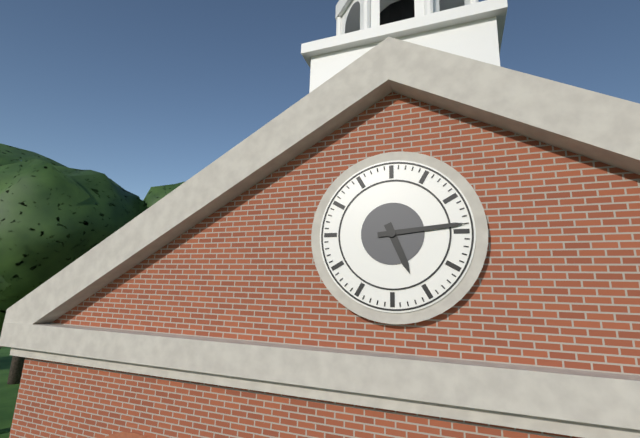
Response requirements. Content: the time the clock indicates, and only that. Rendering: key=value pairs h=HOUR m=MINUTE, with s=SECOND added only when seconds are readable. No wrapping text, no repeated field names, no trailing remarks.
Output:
h=5 m=14
